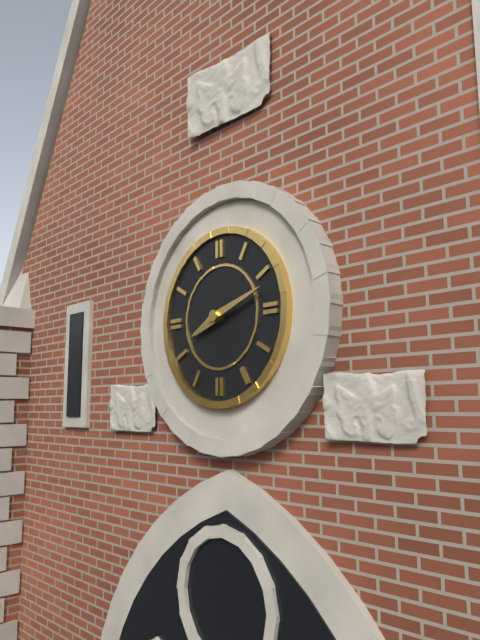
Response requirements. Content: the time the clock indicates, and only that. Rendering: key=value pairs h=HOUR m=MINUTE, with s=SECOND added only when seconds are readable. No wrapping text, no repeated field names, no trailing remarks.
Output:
h=8 m=12
